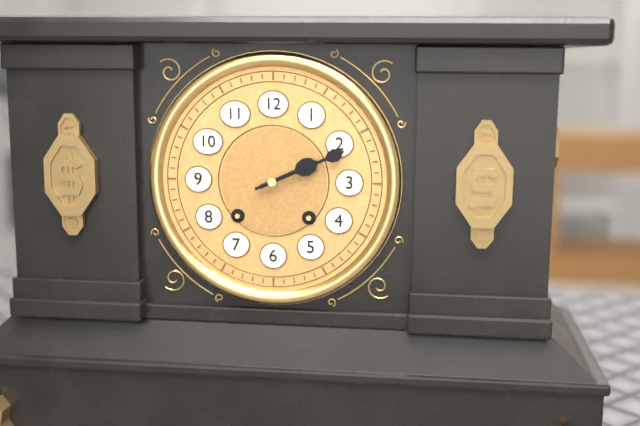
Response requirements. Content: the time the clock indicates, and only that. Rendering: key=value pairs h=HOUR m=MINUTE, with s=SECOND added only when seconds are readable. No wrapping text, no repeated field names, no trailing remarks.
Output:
h=2 m=11
